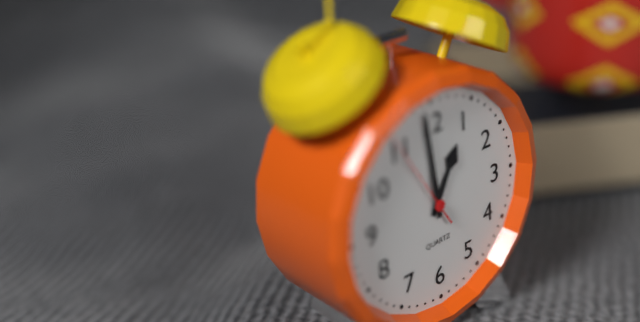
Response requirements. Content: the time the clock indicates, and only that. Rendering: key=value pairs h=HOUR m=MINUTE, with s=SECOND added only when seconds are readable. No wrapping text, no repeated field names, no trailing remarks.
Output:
h=12 m=59 s=55
